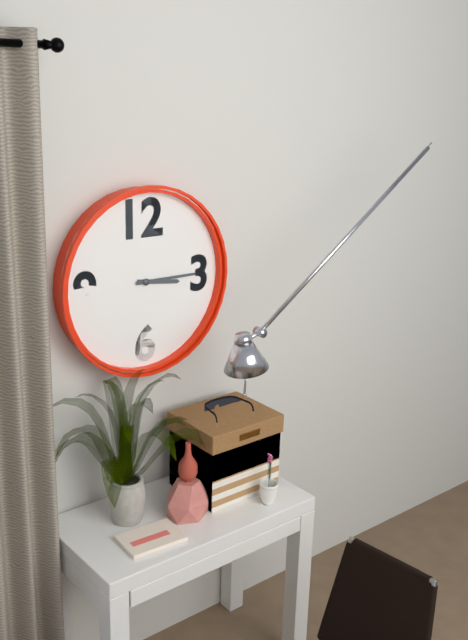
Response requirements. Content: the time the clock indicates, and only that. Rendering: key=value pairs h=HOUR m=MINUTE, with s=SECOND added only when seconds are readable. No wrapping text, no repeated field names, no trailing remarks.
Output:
h=3 m=15
